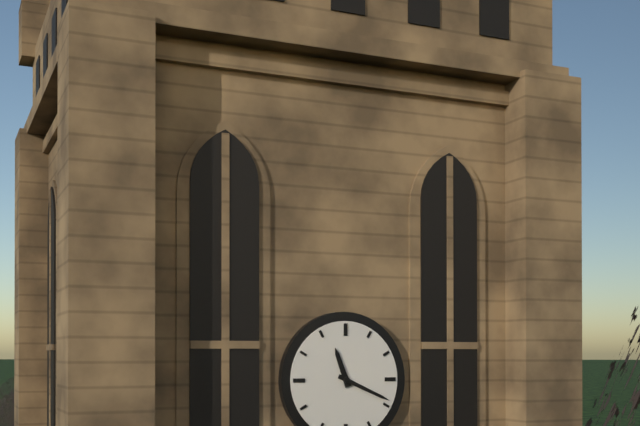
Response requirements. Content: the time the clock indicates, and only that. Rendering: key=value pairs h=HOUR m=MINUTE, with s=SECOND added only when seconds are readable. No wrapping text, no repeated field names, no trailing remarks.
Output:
h=11 m=19
